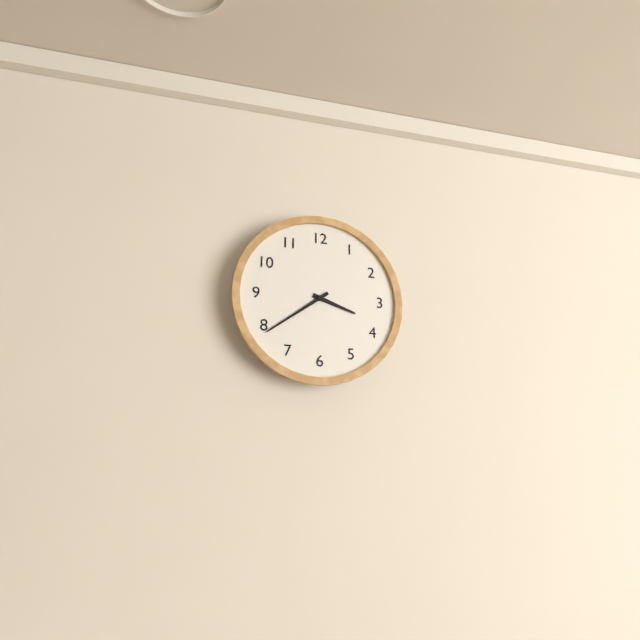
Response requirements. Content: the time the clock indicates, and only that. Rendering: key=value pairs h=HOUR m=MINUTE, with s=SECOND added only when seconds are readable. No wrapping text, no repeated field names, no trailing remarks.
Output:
h=3 m=39
